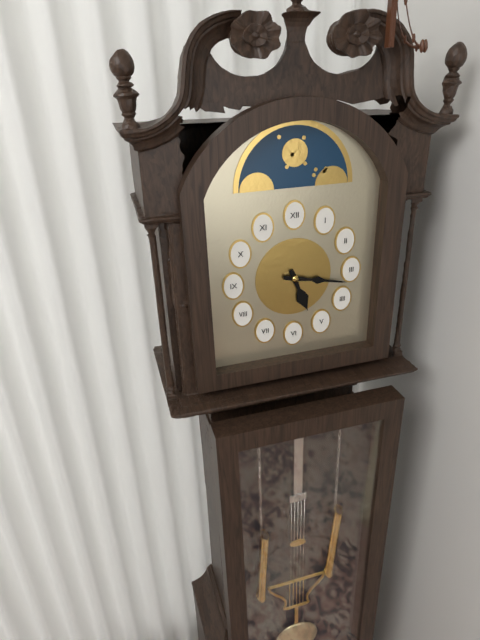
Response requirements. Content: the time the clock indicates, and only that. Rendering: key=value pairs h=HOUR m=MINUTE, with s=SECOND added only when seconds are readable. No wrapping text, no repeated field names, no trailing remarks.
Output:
h=5 m=17
